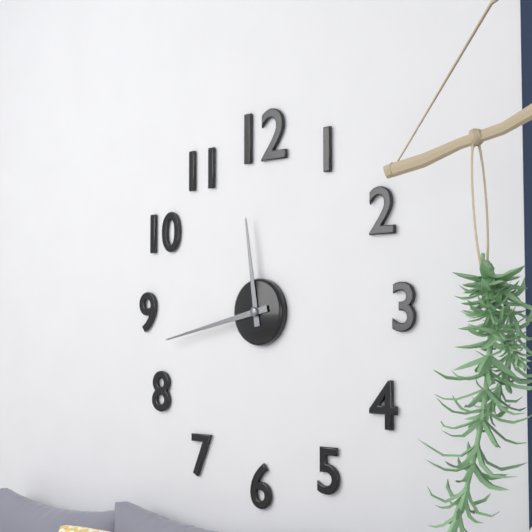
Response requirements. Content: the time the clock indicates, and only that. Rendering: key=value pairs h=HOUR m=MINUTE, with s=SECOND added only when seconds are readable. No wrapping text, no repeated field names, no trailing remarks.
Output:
h=11 m=43
